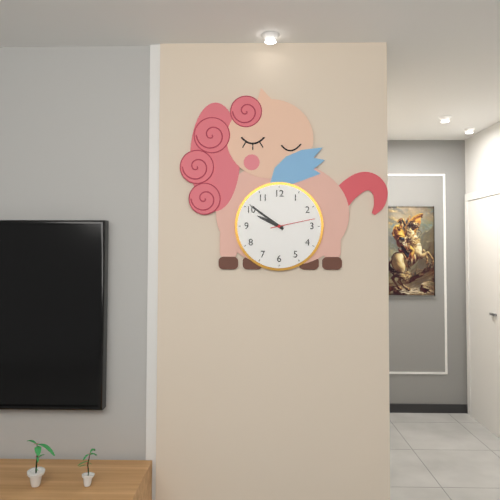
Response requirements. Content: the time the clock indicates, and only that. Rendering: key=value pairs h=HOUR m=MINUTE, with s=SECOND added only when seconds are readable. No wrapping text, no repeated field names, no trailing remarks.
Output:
h=9 m=51
